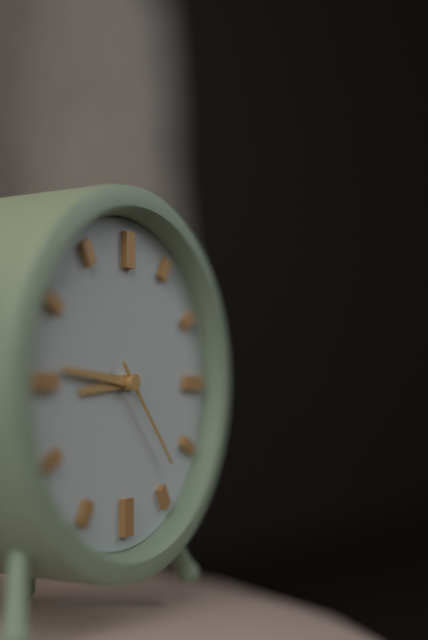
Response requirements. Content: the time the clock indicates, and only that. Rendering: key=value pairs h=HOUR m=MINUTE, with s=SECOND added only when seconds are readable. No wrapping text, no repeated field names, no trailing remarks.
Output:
h=8 m=46 s=23
